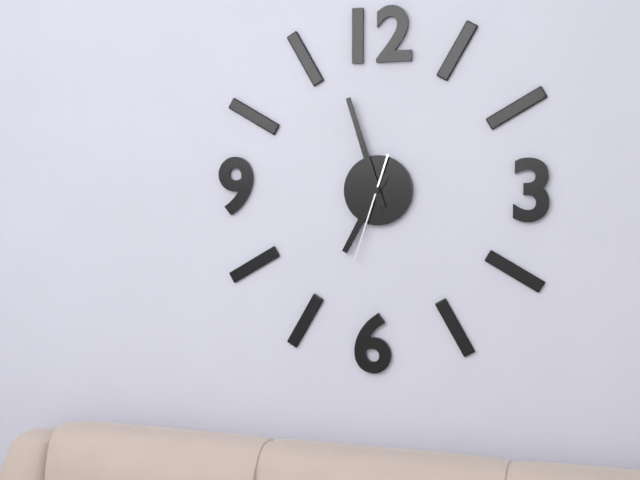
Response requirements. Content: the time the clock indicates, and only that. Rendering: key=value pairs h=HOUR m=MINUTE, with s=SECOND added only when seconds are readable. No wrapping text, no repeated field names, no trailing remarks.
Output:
h=6 m=57 s=33
